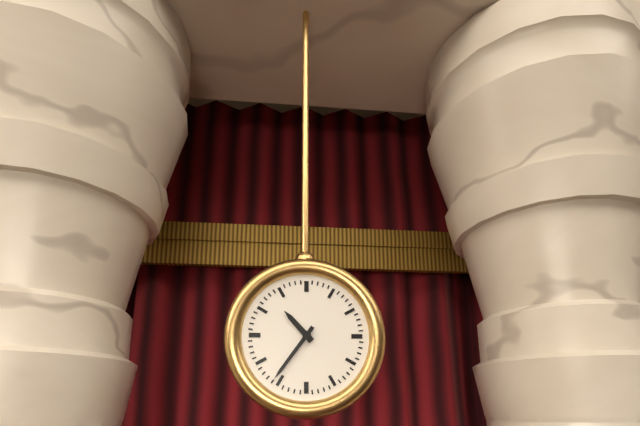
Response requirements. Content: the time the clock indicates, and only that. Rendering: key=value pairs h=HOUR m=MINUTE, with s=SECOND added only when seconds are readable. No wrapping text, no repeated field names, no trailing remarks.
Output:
h=10 m=36
